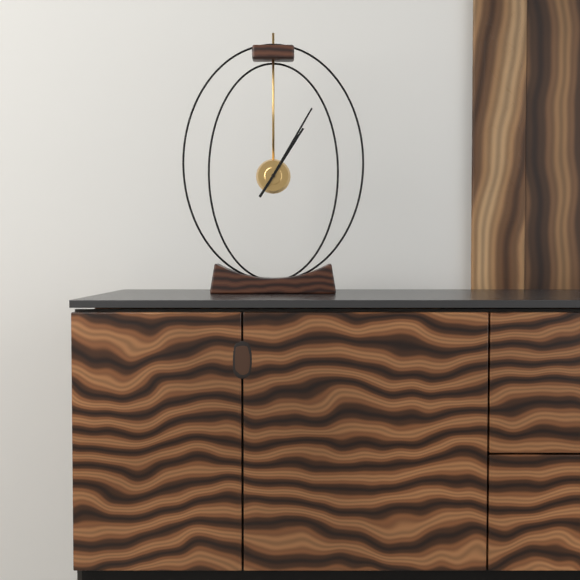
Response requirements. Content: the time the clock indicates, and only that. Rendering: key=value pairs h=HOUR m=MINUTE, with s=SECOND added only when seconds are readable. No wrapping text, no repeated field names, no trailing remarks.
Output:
h=1 m=5
